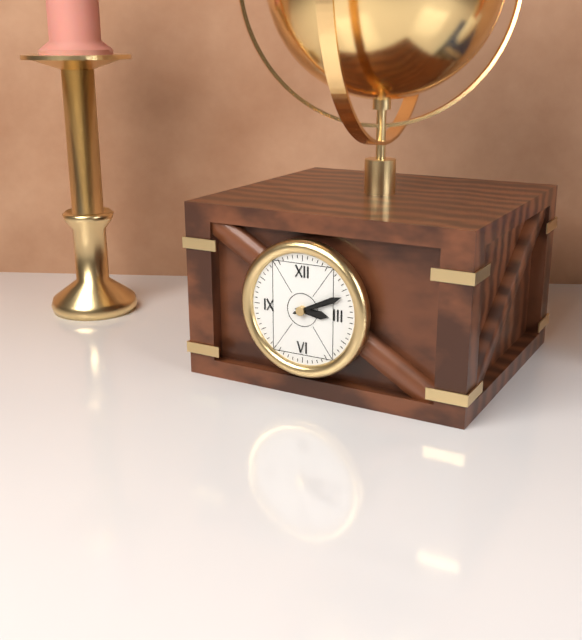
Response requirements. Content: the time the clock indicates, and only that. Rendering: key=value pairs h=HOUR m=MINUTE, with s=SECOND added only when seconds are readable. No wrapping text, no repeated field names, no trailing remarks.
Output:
h=3 m=11
